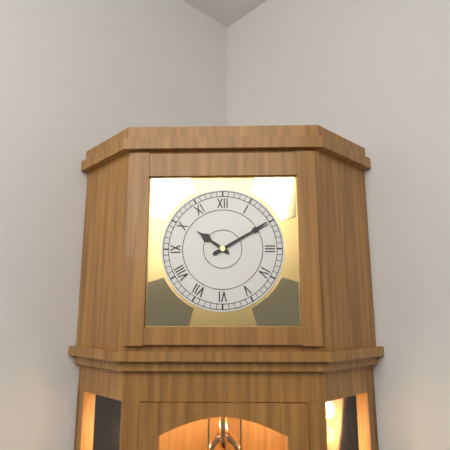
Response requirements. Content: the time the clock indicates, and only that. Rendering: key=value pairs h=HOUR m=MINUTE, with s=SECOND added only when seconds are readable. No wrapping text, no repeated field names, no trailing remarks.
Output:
h=10 m=10
